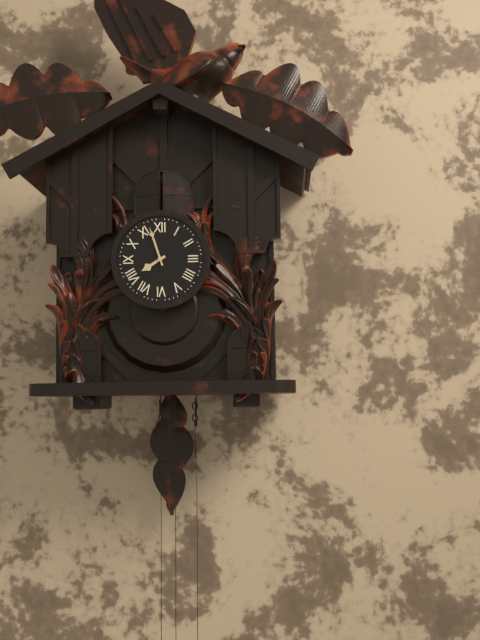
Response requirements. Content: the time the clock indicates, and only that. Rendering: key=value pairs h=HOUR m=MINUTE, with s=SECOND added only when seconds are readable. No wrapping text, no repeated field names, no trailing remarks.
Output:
h=7 m=57
